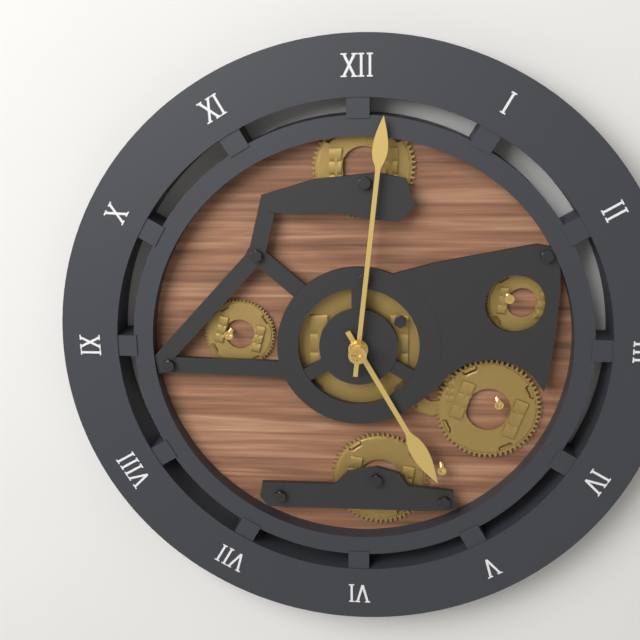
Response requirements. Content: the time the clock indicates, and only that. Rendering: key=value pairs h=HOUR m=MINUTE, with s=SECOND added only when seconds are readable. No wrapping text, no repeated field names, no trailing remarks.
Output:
h=5 m=1
